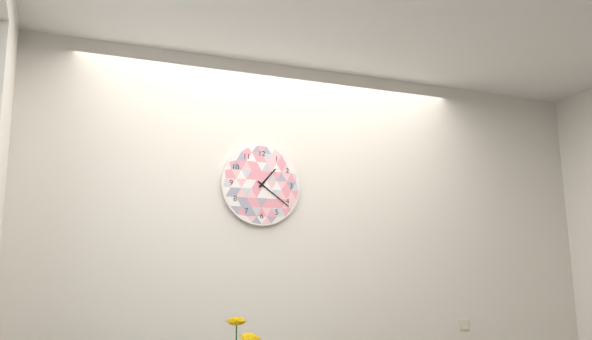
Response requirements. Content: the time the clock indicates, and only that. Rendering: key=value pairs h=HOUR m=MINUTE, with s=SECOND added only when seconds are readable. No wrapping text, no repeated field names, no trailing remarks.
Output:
h=1 m=21
